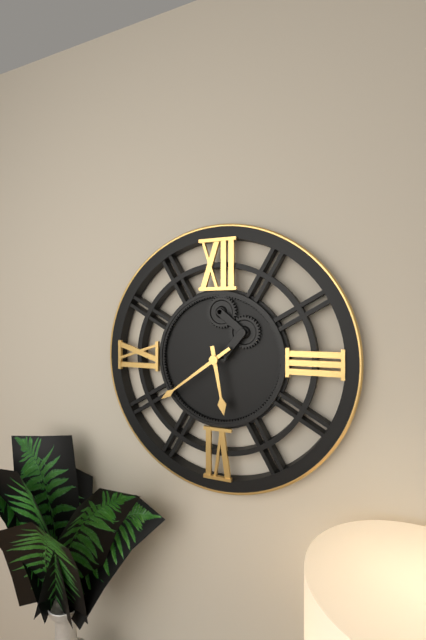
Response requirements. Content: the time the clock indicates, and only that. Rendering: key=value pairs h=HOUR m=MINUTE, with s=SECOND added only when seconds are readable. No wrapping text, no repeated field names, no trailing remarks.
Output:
h=5 m=39
